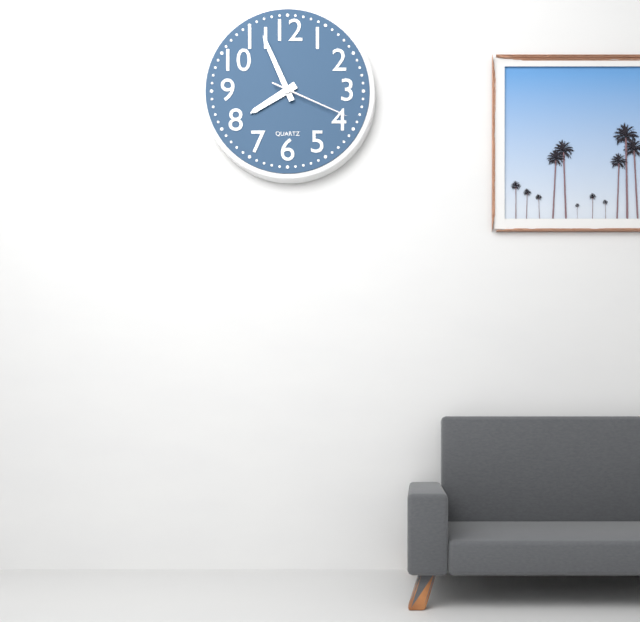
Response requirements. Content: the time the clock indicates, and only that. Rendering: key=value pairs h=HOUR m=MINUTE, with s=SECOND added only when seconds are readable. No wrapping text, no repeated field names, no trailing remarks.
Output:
h=7 m=56 s=19
